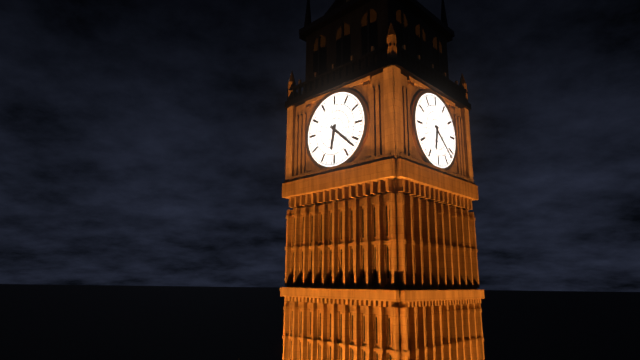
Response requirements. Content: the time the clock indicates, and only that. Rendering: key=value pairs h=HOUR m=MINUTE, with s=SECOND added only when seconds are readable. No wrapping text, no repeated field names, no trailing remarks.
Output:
h=6 m=22
